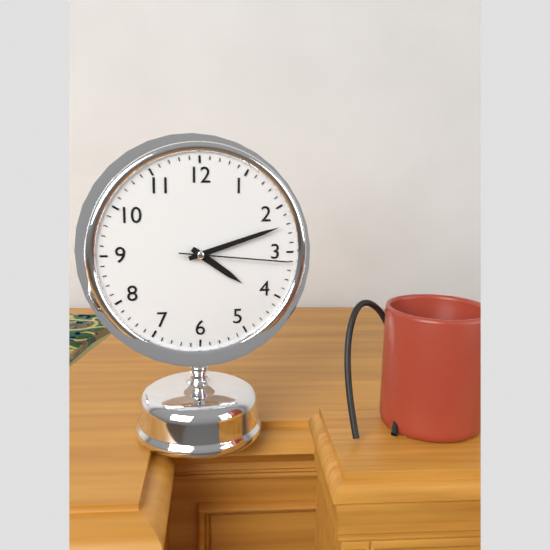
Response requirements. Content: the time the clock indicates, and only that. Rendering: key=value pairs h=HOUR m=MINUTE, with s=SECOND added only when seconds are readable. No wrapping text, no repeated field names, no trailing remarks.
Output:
h=4 m=12 s=16
